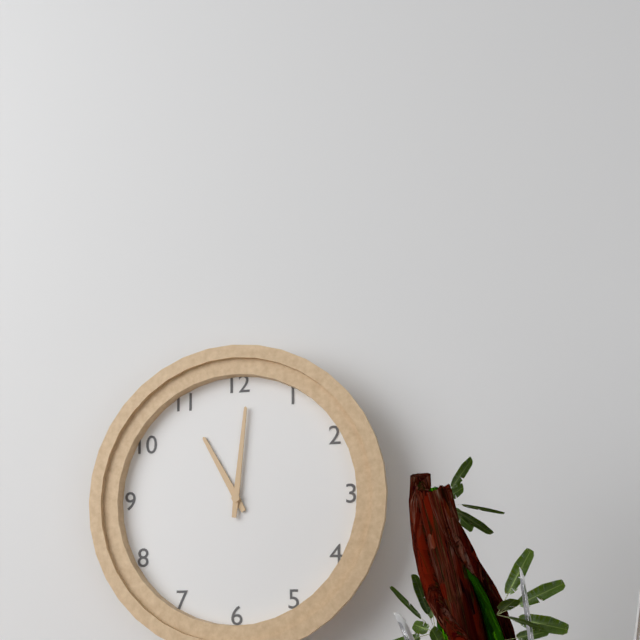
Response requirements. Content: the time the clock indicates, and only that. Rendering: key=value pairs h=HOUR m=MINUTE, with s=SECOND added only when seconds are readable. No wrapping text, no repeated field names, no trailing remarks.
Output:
h=11 m=1
